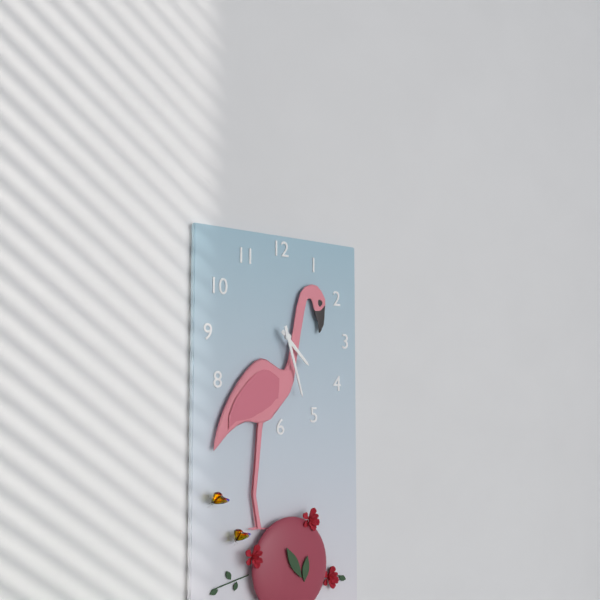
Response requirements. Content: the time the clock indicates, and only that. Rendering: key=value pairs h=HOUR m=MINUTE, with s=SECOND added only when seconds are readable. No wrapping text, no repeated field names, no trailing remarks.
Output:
h=4 m=27
